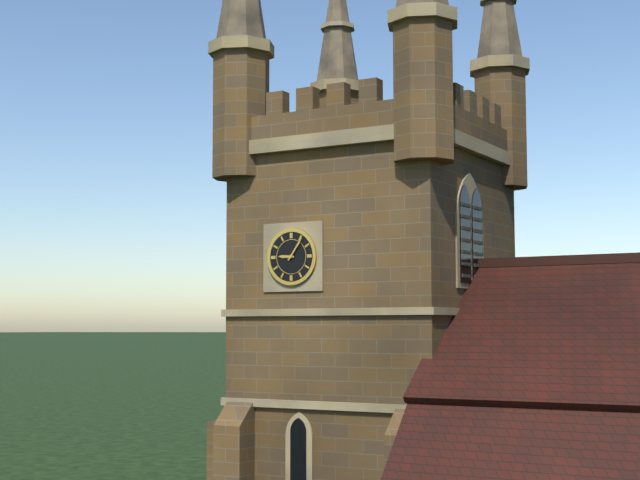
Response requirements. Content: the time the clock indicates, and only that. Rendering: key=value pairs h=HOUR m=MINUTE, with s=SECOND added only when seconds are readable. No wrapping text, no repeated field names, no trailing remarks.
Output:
h=9 m=6
